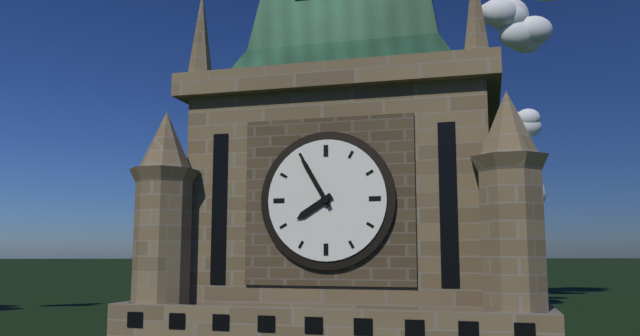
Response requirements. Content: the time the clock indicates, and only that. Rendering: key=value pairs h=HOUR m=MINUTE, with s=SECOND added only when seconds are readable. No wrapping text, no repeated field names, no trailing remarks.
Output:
h=7 m=55
